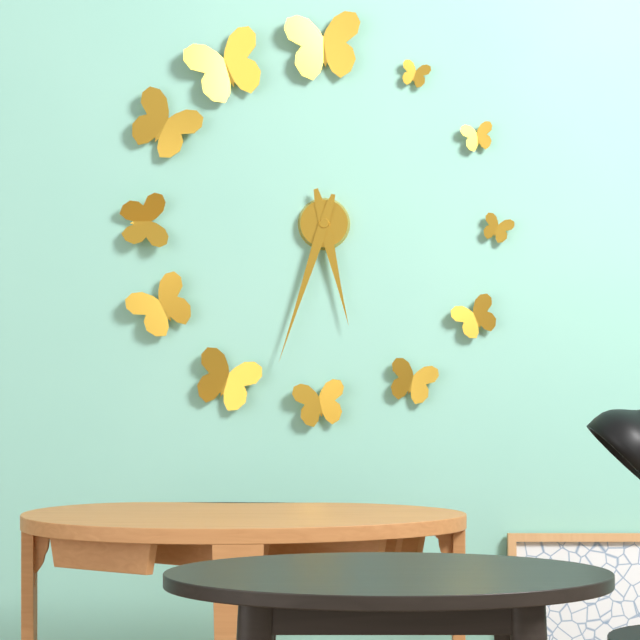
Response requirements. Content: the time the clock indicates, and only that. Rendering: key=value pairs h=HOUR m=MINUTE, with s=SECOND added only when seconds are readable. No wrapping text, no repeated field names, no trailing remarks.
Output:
h=5 m=33
